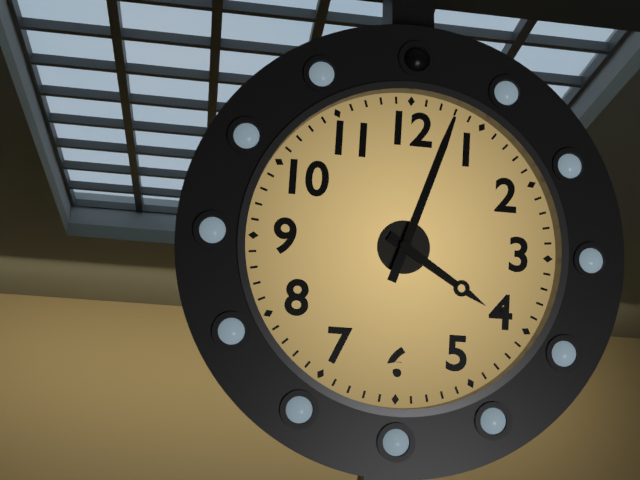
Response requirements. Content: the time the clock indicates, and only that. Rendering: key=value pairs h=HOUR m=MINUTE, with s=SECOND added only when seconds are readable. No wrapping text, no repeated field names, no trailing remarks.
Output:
h=4 m=3
